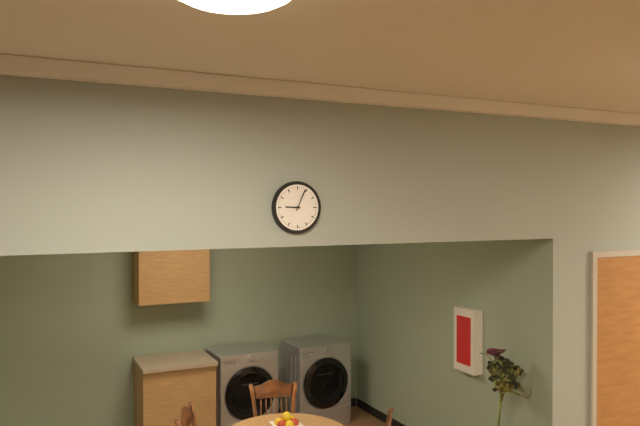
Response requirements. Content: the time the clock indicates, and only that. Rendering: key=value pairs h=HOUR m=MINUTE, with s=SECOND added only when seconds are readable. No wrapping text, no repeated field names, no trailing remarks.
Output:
h=9 m=4
